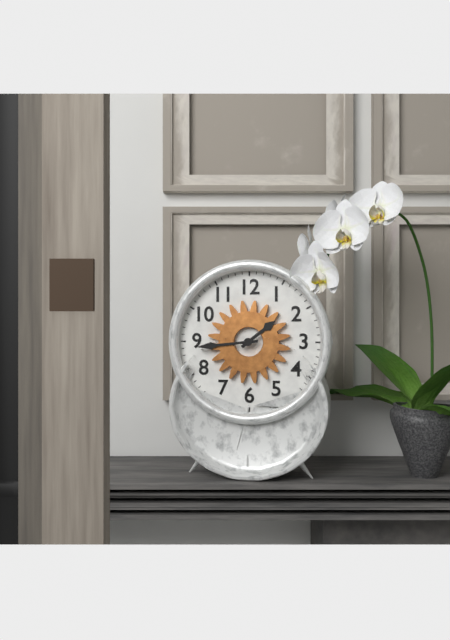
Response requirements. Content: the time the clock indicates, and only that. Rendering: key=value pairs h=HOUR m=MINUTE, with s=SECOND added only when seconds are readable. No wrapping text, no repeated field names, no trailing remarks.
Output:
h=1 m=44
